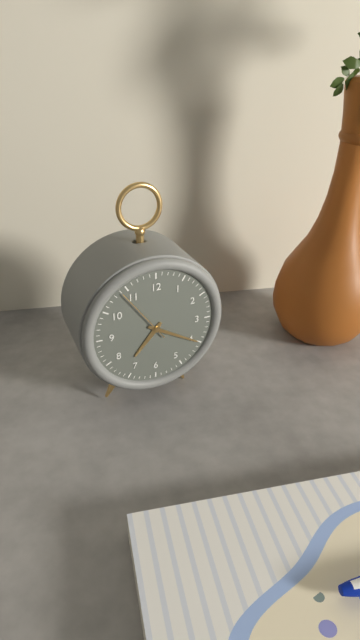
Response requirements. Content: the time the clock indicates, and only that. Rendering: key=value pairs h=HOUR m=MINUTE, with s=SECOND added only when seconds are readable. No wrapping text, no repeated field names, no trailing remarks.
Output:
h=7 m=20 s=54
